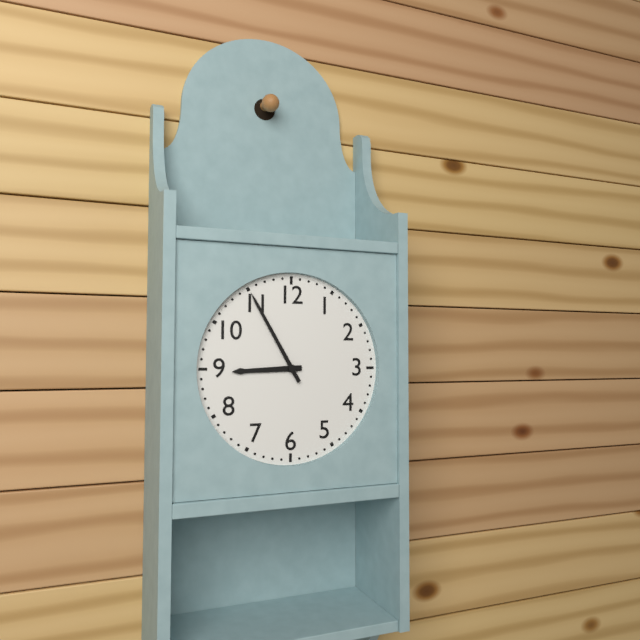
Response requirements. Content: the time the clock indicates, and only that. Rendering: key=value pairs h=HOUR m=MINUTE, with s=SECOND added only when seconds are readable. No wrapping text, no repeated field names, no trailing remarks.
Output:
h=8 m=55
